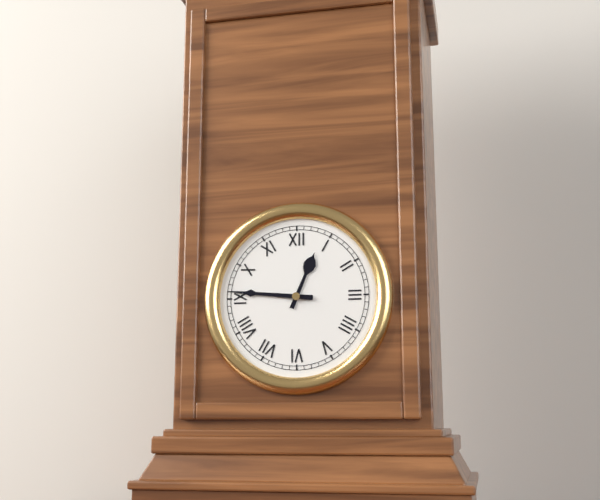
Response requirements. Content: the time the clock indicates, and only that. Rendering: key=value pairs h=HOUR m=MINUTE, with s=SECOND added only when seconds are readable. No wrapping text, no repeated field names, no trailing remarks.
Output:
h=12 m=46
